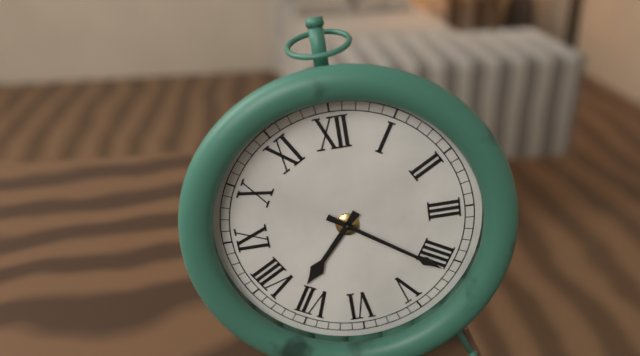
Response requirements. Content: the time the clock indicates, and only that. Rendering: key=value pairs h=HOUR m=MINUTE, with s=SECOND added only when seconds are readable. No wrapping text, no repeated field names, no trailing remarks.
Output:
h=7 m=21
